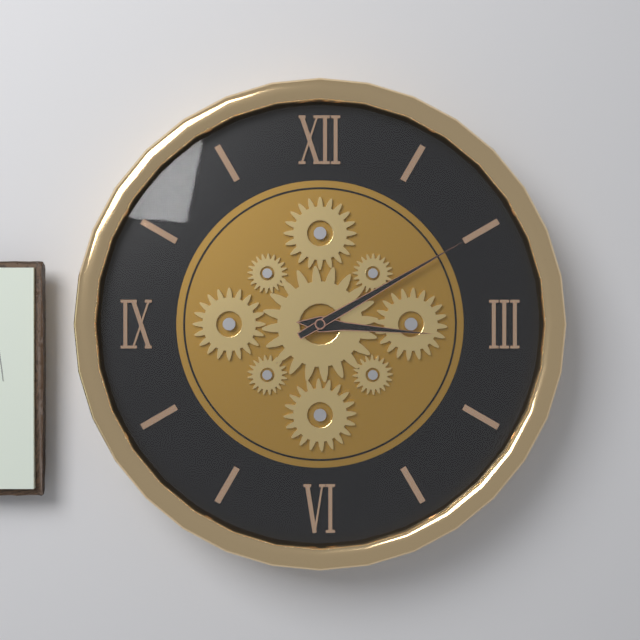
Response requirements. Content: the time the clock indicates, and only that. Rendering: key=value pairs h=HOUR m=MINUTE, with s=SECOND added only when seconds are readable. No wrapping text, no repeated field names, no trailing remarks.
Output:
h=3 m=10
